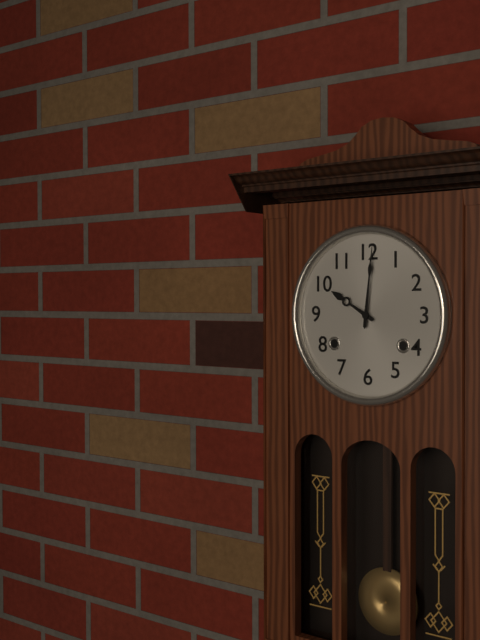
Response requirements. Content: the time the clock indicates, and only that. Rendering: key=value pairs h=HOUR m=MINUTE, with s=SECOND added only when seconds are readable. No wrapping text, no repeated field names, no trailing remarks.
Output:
h=10 m=1
